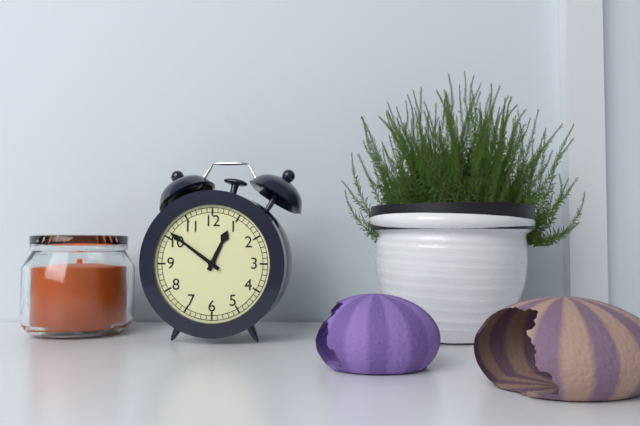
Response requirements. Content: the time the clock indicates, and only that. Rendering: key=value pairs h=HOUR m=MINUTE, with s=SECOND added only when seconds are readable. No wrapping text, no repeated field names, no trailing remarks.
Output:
h=12 m=51
